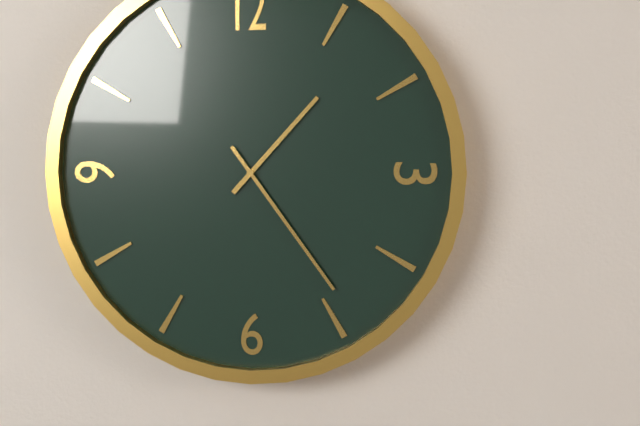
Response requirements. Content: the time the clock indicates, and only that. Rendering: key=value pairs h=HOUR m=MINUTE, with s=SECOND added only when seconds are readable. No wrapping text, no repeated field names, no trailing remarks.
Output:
h=1 m=24
